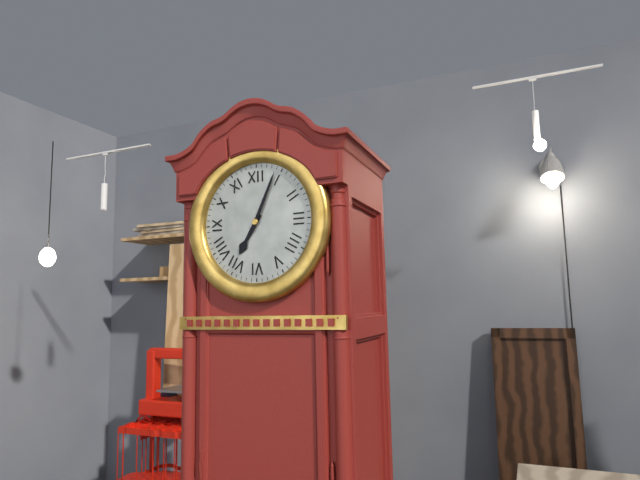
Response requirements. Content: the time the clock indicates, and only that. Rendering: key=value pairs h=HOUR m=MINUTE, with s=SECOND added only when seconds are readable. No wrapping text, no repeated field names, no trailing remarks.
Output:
h=7 m=4
